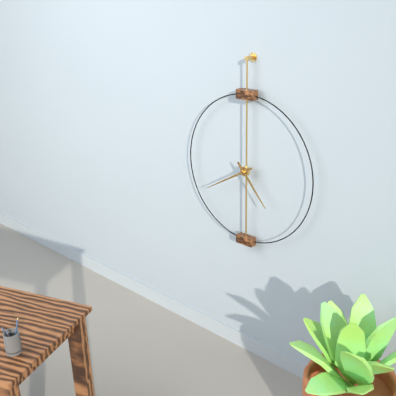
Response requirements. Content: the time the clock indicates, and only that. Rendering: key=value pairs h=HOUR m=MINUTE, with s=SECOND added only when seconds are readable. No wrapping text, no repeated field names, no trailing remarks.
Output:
h=4 m=40
